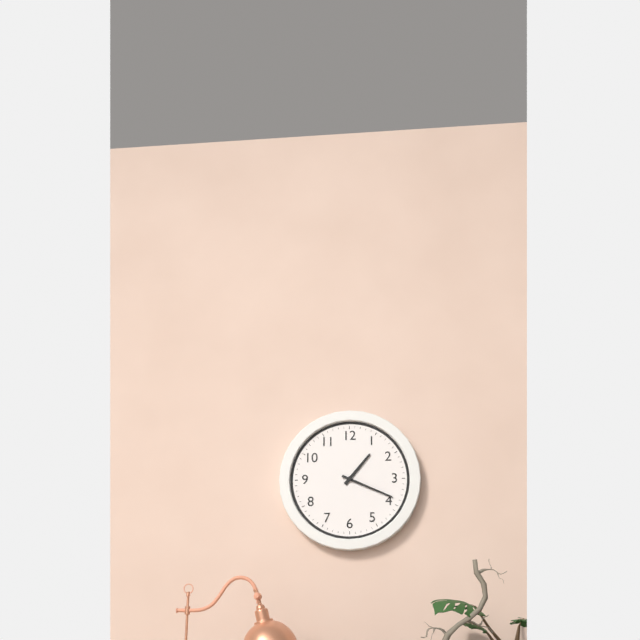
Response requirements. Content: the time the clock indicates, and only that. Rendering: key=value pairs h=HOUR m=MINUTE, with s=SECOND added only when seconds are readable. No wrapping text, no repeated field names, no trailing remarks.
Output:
h=1 m=19
